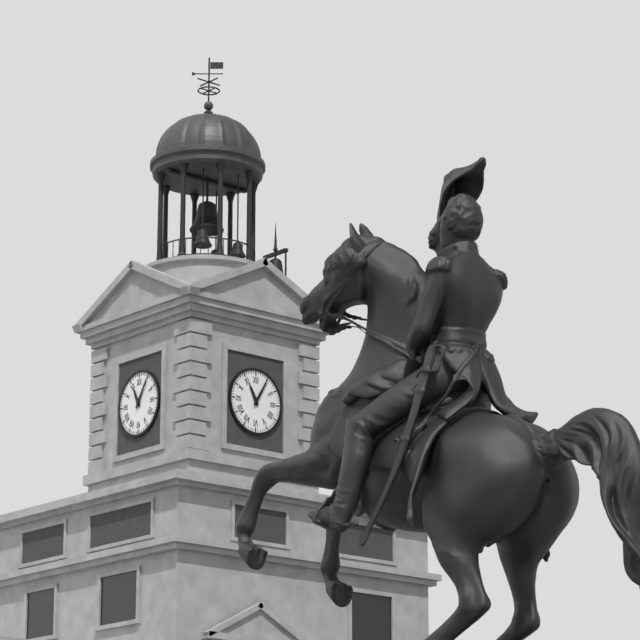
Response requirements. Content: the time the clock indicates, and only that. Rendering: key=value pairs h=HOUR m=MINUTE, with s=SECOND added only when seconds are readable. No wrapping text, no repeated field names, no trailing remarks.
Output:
h=11 m=5
